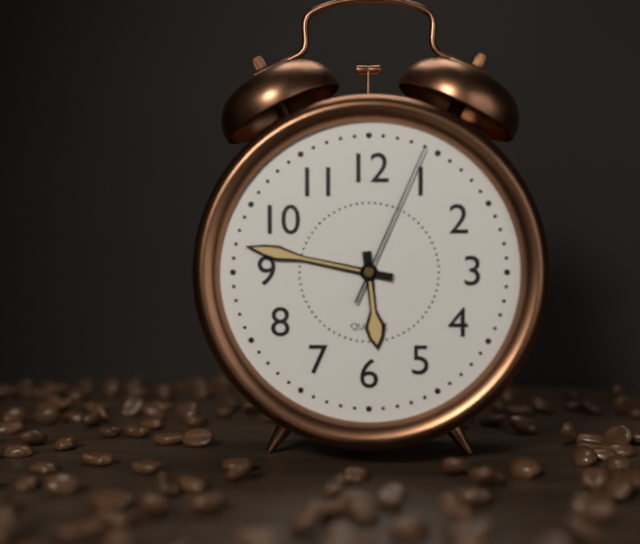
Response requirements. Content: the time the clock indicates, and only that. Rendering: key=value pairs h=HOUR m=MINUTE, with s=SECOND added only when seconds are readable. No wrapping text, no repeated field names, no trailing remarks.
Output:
h=5 m=47 s=4
